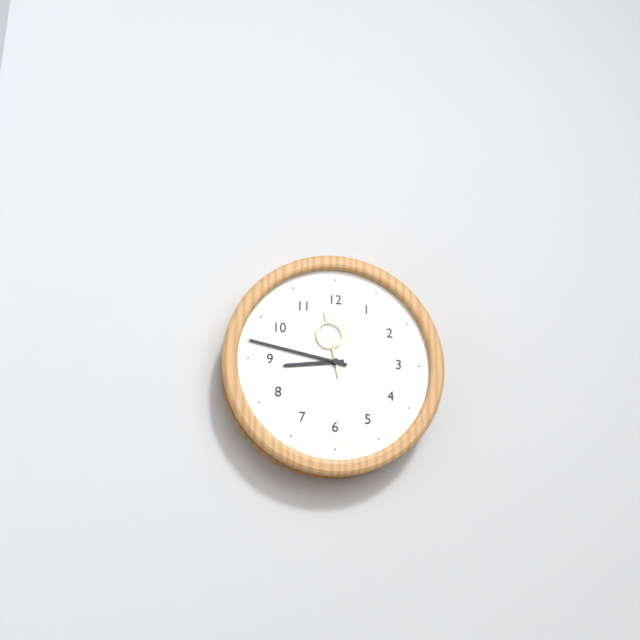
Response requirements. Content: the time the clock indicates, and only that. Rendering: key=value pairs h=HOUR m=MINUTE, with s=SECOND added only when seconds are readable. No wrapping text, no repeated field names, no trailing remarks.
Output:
h=8 m=47 s=58
